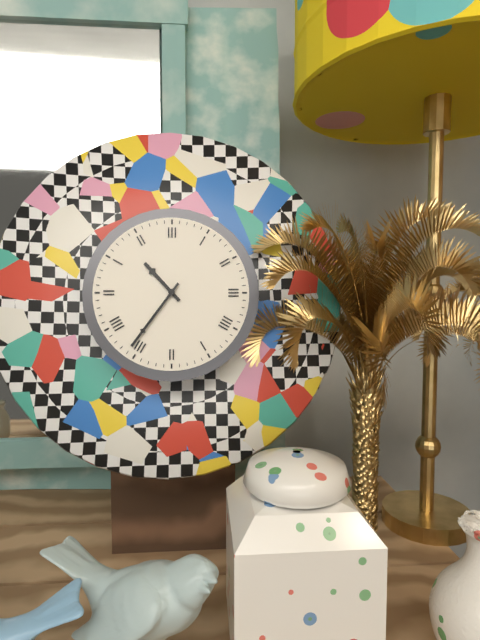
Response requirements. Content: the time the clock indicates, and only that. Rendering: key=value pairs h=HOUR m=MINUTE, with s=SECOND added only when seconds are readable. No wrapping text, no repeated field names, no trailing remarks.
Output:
h=10 m=36
